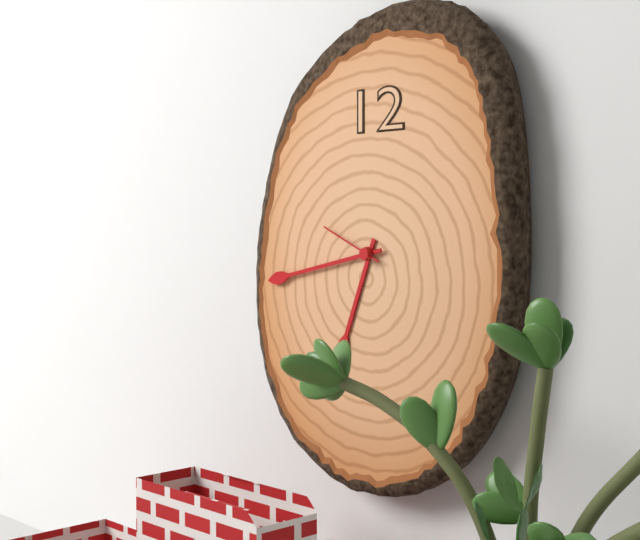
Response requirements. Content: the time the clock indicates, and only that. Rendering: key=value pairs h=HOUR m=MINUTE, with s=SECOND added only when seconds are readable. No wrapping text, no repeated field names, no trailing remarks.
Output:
h=6 m=43 s=49
